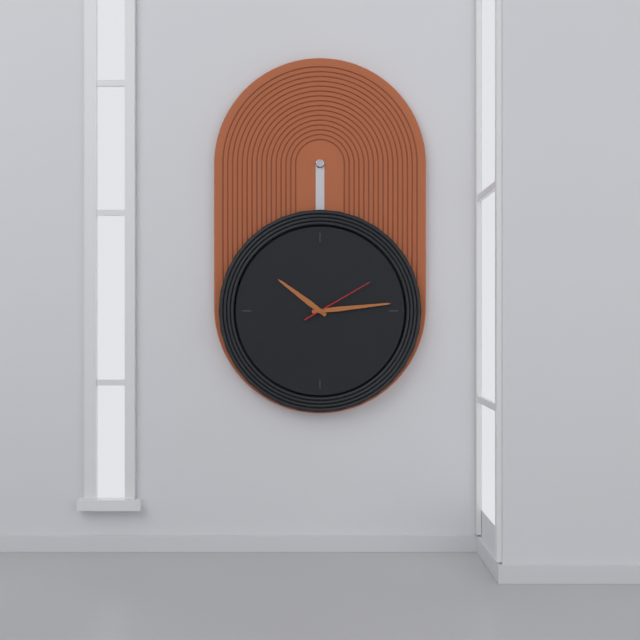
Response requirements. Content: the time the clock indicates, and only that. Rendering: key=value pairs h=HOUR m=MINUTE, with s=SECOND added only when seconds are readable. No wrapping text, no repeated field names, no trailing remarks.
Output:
h=10 m=14 s=10
